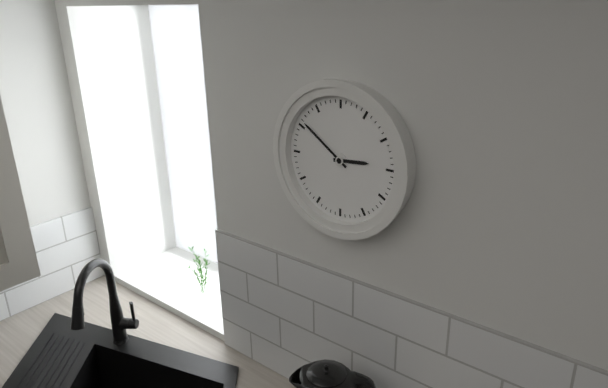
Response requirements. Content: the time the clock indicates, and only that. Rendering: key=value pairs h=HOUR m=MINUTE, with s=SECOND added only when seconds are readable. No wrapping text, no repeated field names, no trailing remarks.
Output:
h=2 m=51
